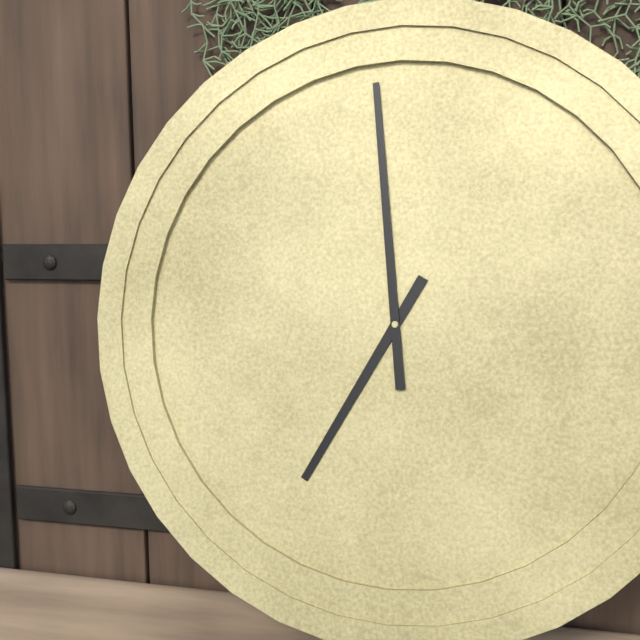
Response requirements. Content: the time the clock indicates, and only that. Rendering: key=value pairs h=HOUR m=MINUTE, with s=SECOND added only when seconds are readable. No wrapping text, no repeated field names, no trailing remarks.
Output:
h=6 m=59
